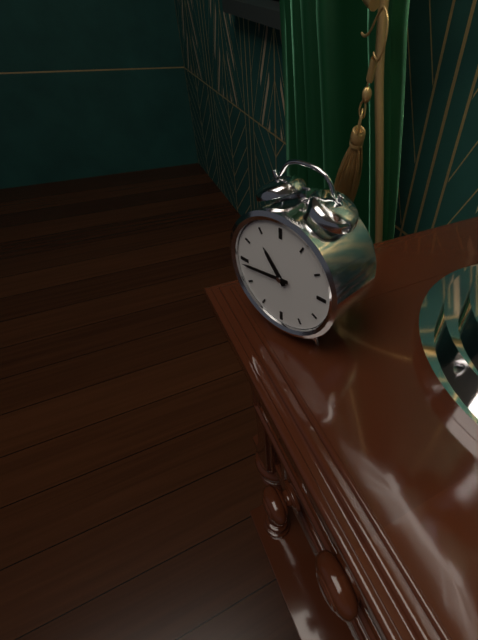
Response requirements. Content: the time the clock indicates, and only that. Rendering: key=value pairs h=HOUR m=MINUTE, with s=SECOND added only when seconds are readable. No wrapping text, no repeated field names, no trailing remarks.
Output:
h=10 m=44
